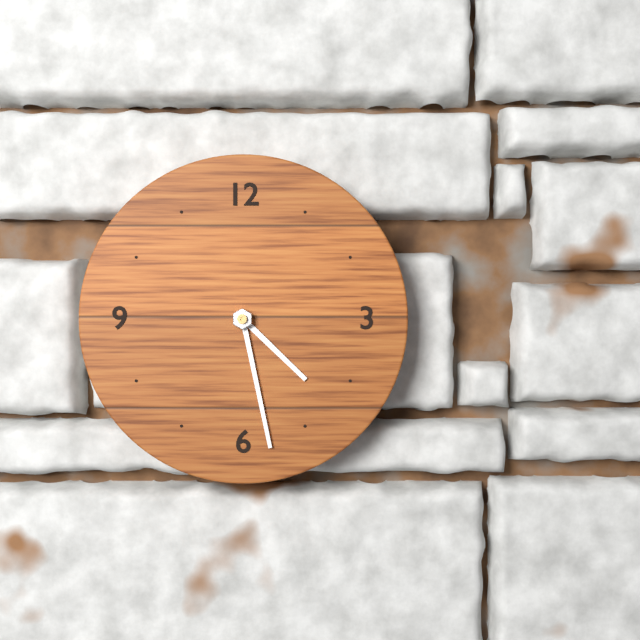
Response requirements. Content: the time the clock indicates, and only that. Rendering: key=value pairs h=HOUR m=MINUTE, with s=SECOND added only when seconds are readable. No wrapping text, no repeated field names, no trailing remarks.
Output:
h=4 m=28
